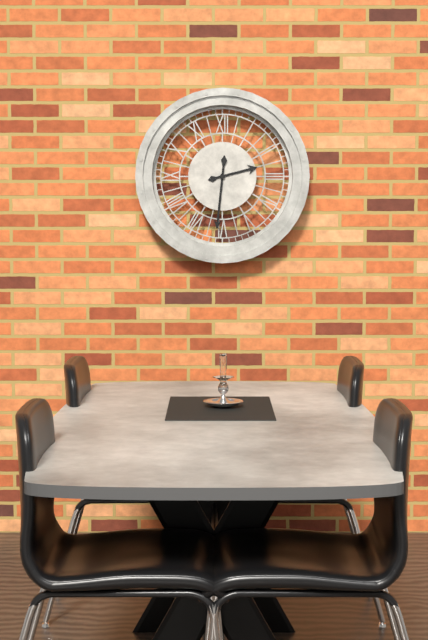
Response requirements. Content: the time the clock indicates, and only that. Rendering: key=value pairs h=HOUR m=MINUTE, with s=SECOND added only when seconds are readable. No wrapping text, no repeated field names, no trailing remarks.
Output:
h=2 m=31
